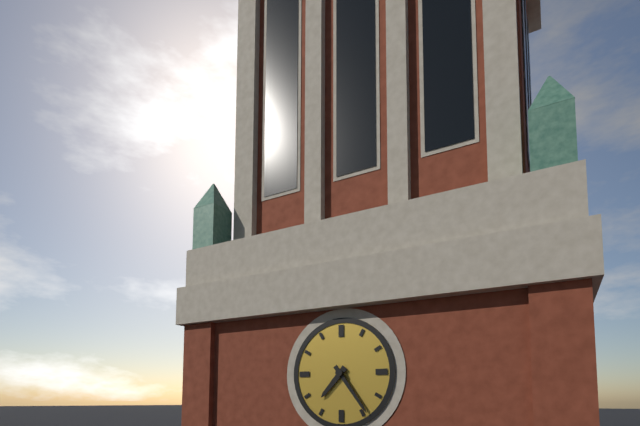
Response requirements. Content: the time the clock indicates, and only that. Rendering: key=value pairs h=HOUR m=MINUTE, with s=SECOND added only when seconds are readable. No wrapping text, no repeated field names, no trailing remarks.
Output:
h=7 m=24
